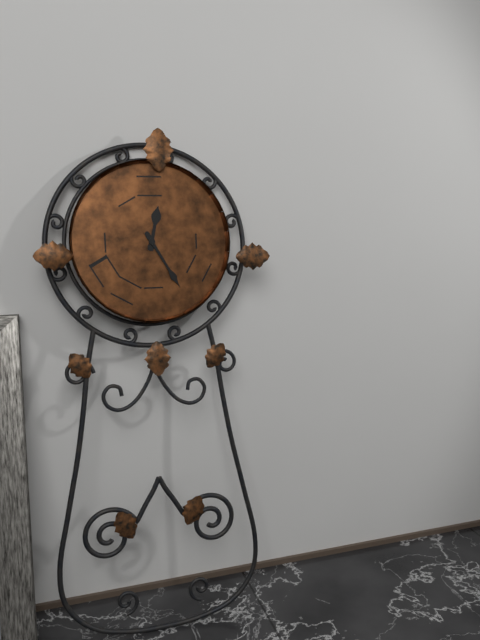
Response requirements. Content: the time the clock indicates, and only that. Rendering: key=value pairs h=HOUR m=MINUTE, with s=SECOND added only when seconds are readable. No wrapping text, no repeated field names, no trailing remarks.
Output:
h=12 m=25
